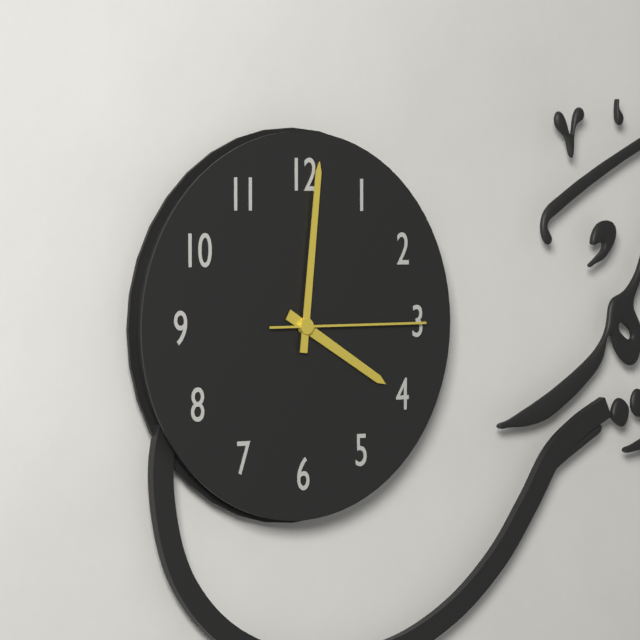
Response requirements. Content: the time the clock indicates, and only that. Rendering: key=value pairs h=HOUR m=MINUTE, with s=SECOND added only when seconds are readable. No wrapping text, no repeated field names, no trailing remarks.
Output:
h=4 m=1 s=15
